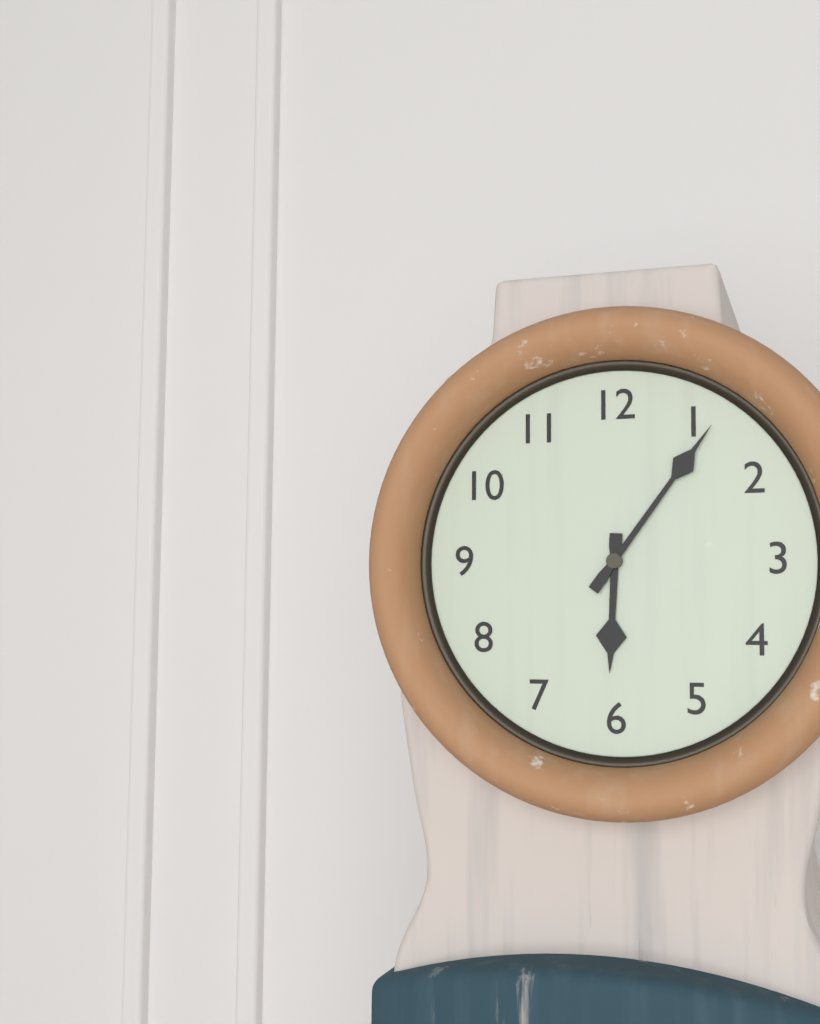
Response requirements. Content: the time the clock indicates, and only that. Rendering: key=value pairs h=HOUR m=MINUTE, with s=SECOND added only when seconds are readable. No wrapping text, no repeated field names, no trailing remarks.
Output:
h=6 m=6
